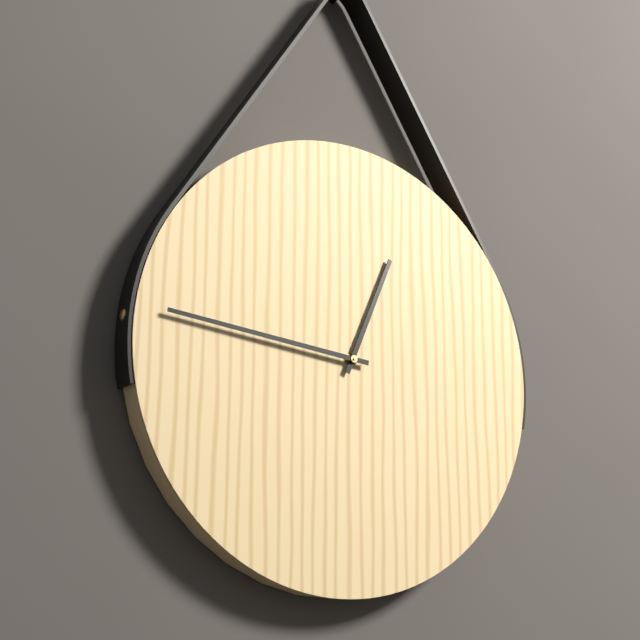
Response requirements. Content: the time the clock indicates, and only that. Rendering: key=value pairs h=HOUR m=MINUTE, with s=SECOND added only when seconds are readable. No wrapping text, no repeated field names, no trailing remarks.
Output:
h=12 m=46
